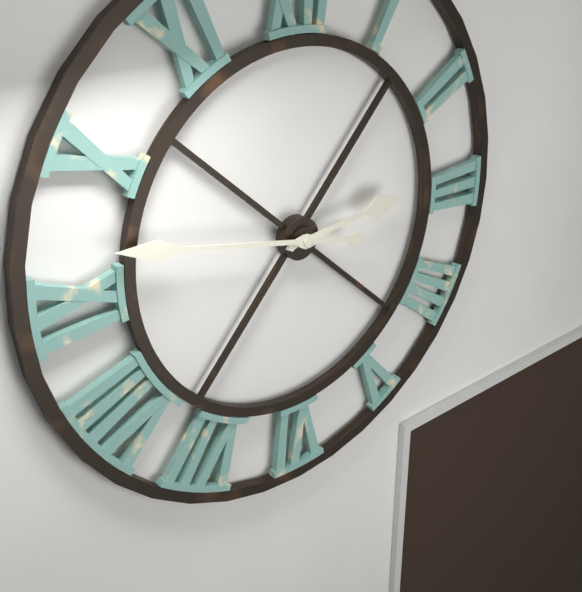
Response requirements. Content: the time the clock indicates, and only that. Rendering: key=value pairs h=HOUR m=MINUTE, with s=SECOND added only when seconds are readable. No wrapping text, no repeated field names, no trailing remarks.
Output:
h=2 m=47
